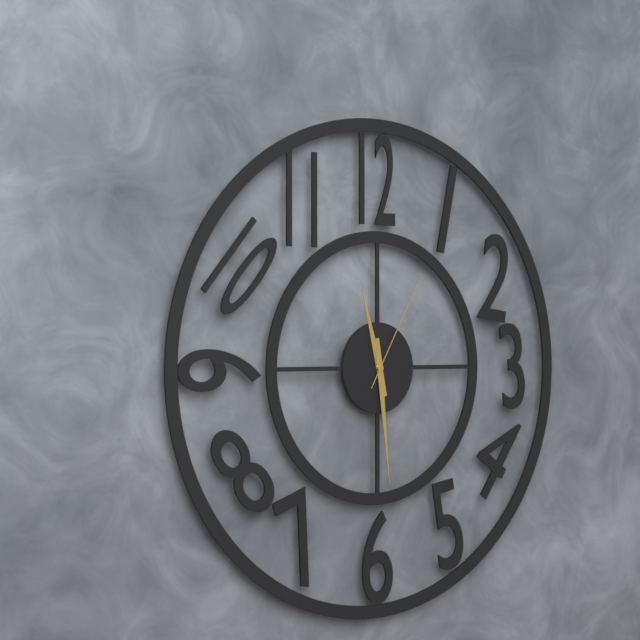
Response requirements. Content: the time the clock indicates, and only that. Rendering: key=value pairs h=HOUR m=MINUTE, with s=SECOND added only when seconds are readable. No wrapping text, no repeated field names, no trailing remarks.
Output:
h=11 m=29 s=5
